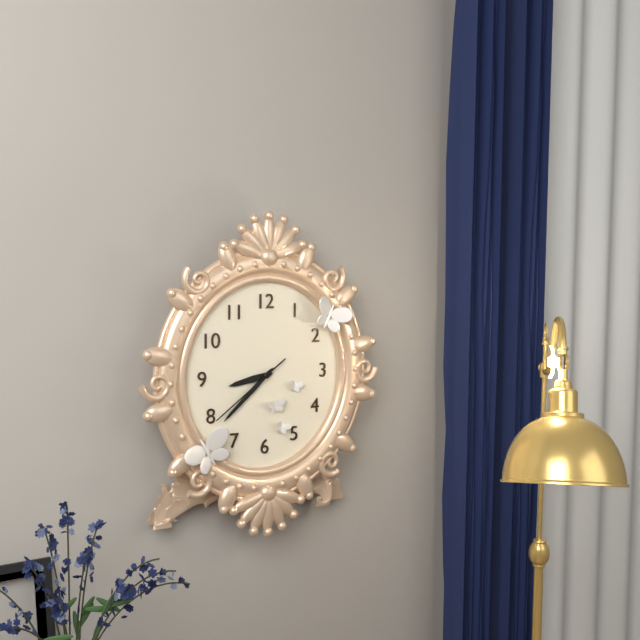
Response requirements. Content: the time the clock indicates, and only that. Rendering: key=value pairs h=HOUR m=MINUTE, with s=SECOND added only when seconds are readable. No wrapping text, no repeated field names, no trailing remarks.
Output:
h=8 m=38 s=39
